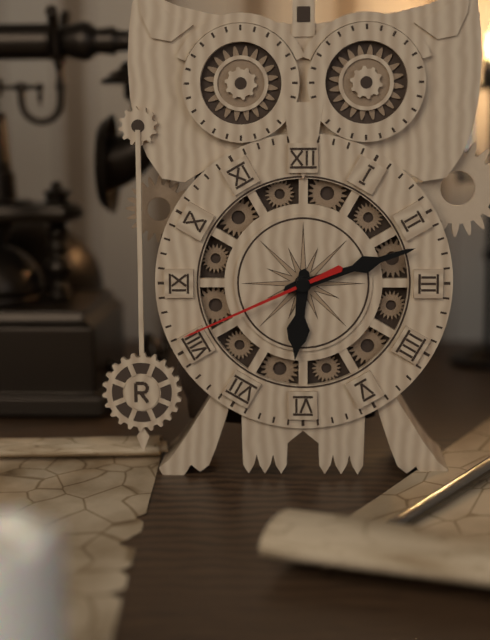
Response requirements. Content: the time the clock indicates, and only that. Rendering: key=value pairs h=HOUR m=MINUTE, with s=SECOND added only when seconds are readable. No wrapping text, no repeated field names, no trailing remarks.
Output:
h=6 m=12 s=41
